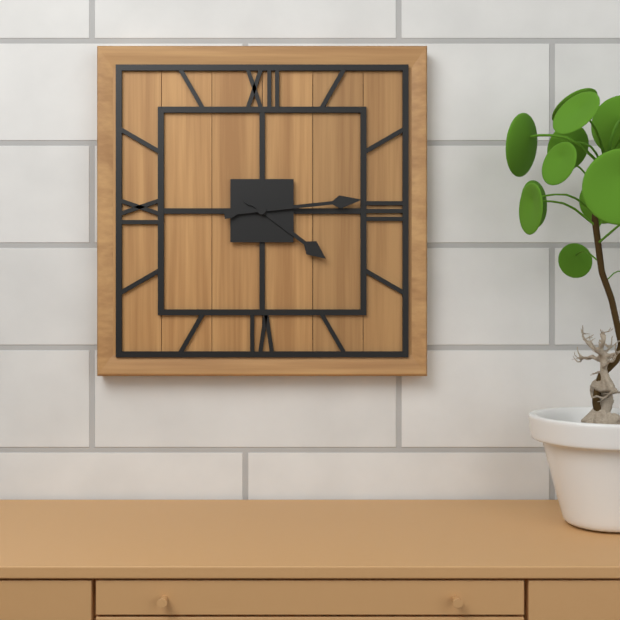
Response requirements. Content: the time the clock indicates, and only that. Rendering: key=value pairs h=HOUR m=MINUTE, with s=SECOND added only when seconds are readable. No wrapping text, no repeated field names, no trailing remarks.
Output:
h=4 m=14
